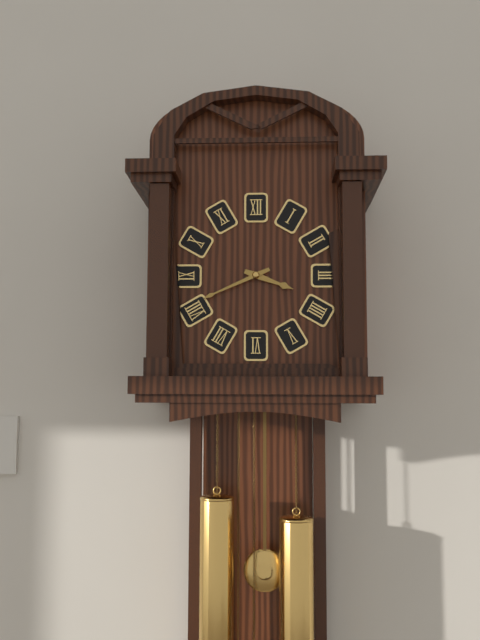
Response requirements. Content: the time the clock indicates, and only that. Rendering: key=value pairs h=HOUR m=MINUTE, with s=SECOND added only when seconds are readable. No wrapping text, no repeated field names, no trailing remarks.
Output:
h=3 m=41
